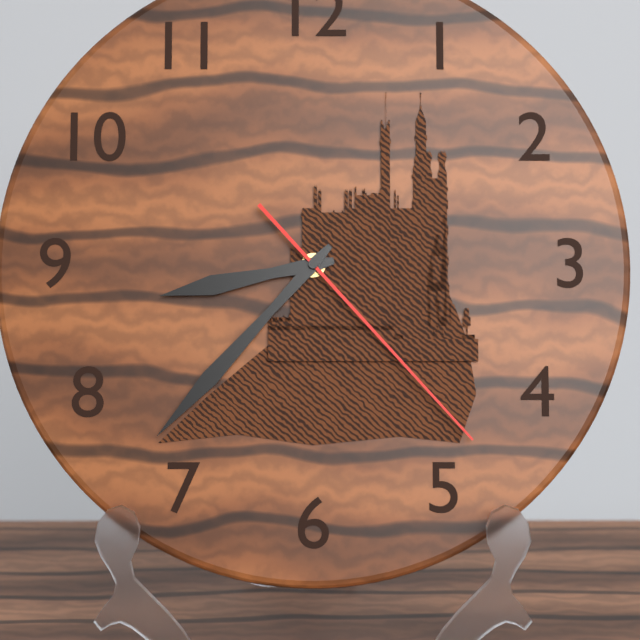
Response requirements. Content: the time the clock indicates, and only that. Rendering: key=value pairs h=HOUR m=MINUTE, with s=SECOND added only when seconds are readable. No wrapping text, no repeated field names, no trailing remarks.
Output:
h=8 m=37 s=23
